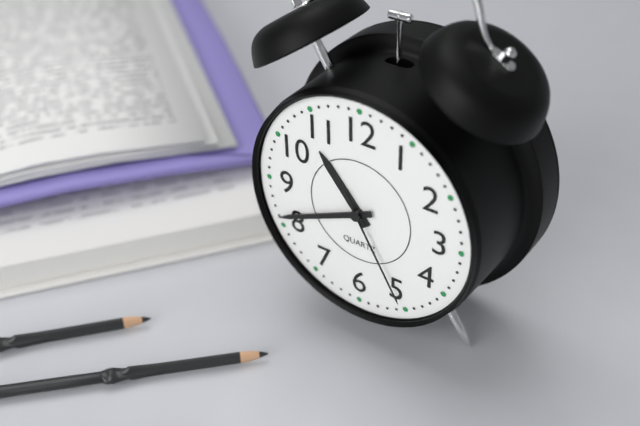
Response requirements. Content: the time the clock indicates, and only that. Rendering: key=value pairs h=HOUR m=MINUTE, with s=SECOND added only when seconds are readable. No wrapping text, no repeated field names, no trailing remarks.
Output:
h=10 m=41 s=25
